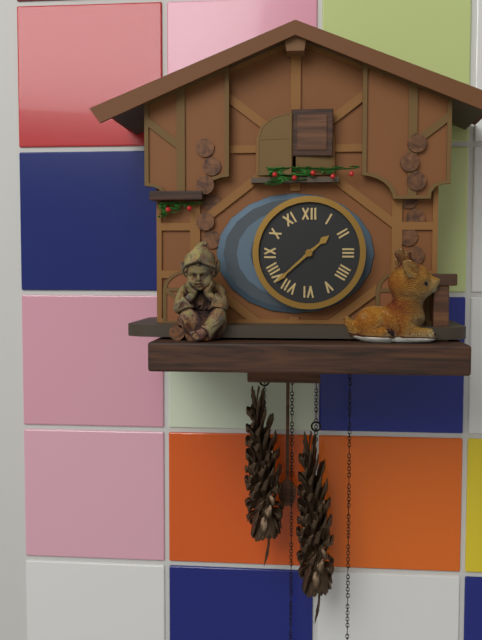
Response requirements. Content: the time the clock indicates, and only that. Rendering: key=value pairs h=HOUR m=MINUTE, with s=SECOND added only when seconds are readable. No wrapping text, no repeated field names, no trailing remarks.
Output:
h=1 m=38
